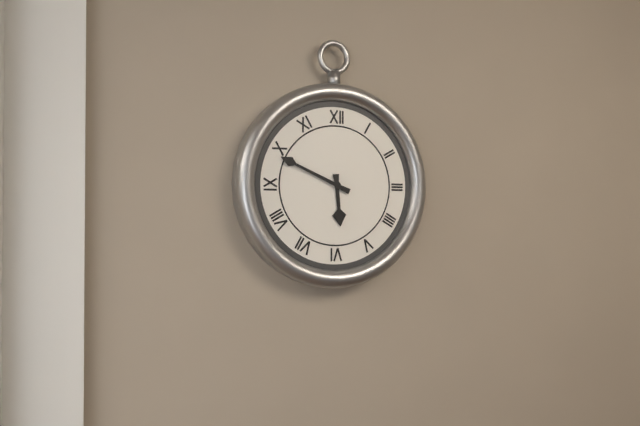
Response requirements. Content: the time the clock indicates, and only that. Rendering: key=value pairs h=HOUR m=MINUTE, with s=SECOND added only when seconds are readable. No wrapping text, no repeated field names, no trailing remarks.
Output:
h=5 m=49
